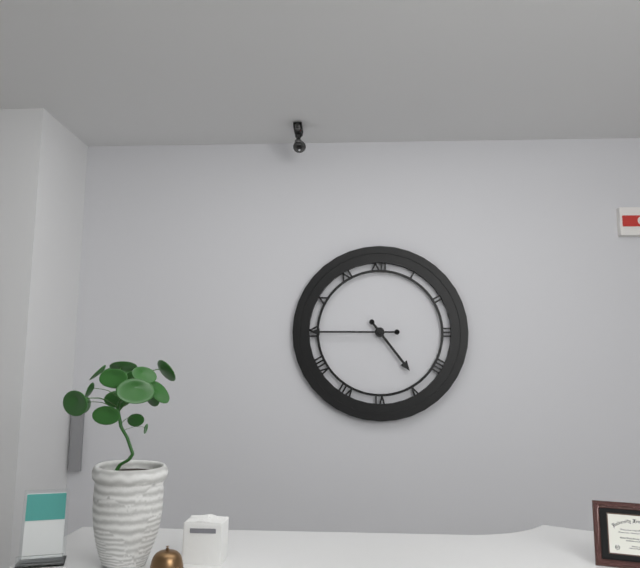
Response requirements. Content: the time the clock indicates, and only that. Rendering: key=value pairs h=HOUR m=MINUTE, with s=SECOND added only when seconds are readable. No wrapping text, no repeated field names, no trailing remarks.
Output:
h=4 m=45
